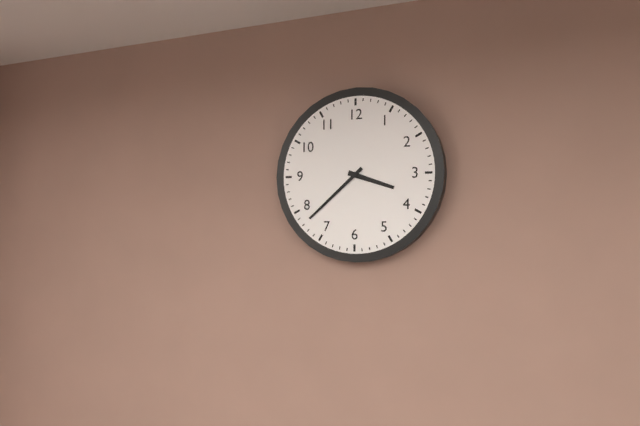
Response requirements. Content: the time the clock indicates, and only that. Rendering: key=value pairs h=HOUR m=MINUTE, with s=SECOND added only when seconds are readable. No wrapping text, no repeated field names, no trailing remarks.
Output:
h=3 m=38
